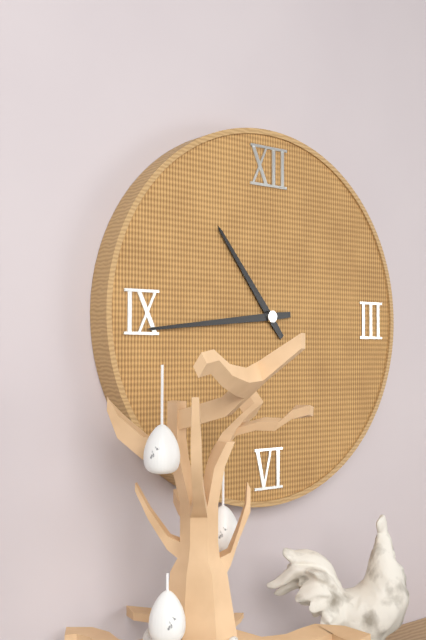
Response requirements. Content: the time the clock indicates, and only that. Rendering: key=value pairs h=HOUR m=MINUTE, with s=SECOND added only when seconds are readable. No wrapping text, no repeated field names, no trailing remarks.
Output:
h=10 m=44
